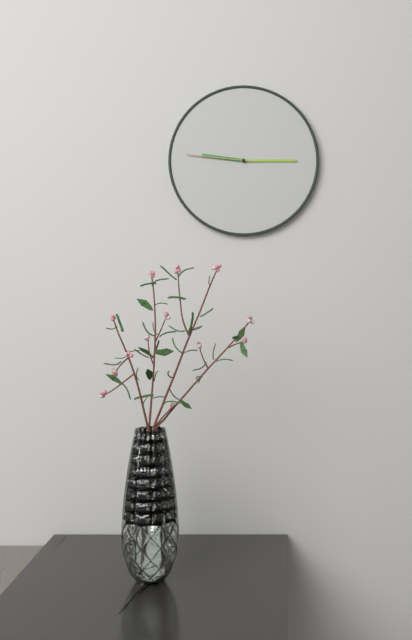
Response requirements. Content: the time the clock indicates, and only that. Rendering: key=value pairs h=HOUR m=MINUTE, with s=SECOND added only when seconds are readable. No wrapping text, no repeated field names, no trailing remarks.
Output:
h=9 m=15 s=46
